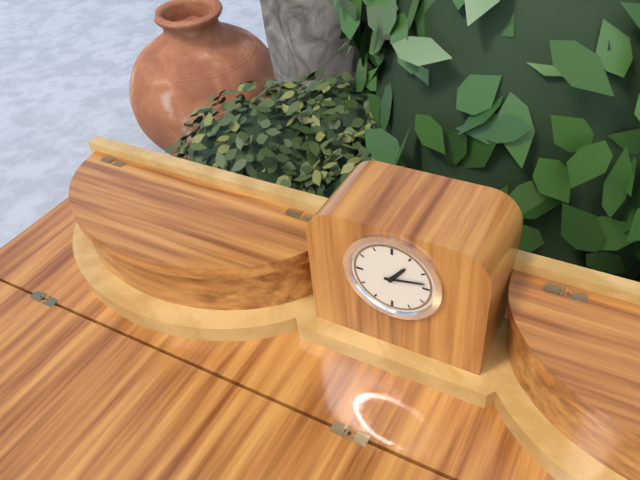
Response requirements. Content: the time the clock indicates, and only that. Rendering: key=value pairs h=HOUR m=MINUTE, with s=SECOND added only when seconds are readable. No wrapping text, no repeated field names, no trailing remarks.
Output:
h=1 m=13
